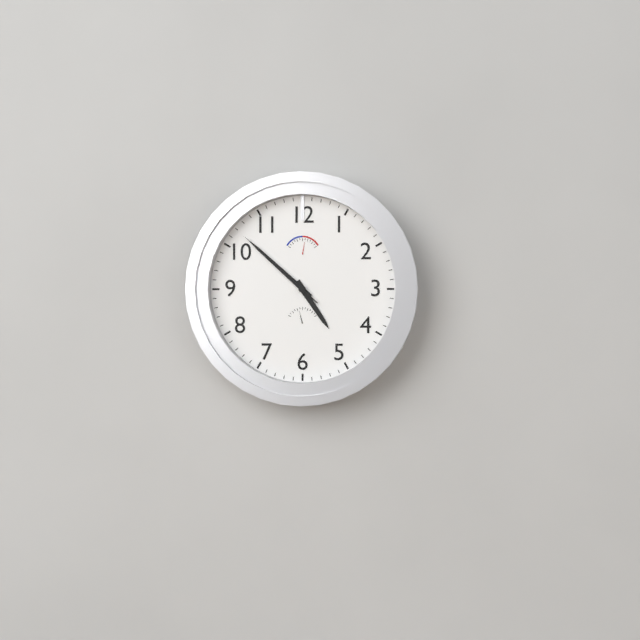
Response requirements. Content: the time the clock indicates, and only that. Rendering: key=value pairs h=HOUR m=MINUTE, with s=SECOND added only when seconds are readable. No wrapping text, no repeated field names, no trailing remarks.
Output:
h=4 m=52 s=52
